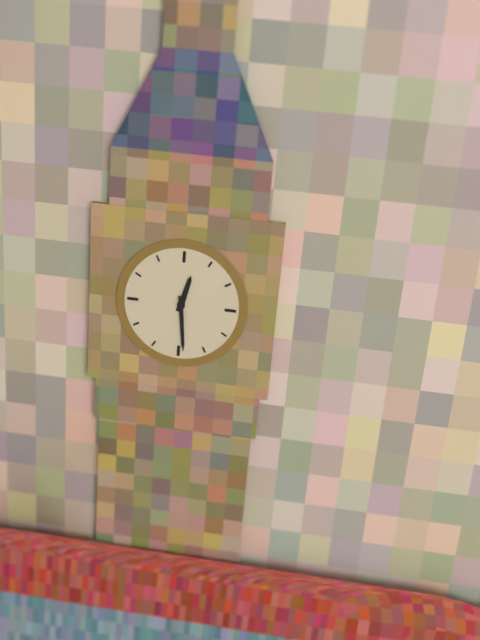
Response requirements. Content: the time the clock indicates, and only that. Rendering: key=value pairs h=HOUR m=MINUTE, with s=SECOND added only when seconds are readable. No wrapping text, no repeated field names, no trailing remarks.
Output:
h=12 m=29
